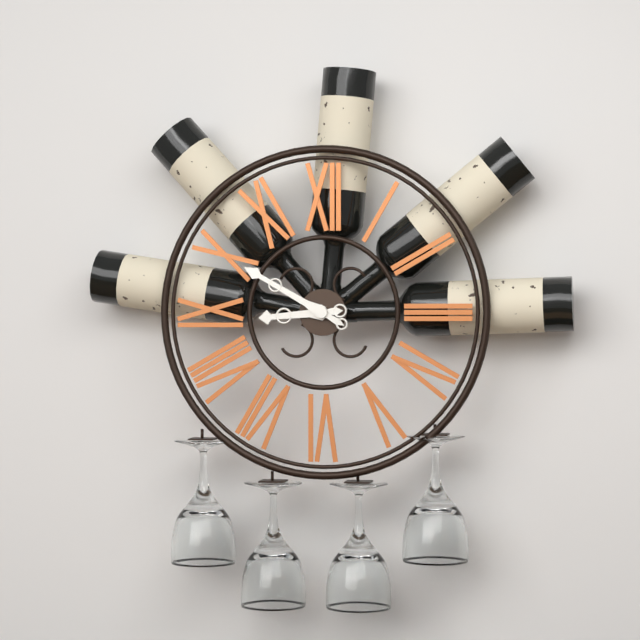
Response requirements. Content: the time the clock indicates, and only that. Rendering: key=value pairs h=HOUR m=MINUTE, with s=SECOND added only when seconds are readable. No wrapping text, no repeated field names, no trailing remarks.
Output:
h=8 m=50
